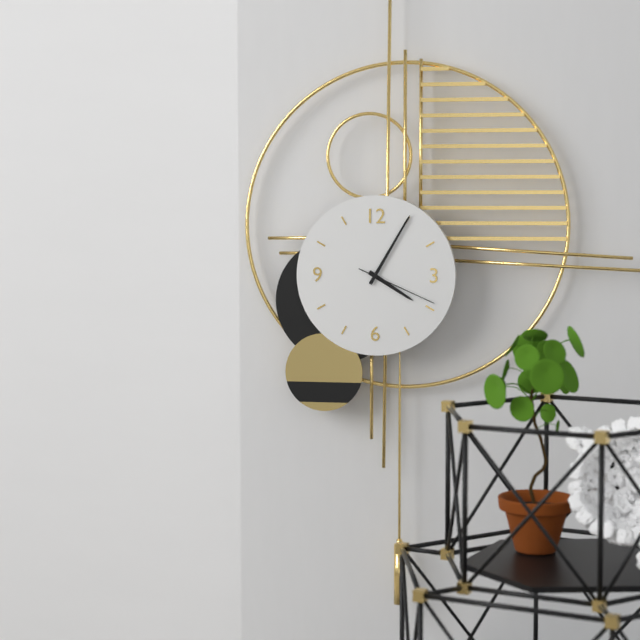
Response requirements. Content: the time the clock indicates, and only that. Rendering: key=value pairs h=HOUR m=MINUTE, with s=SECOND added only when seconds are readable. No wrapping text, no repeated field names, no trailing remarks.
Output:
h=4 m=5 s=19
